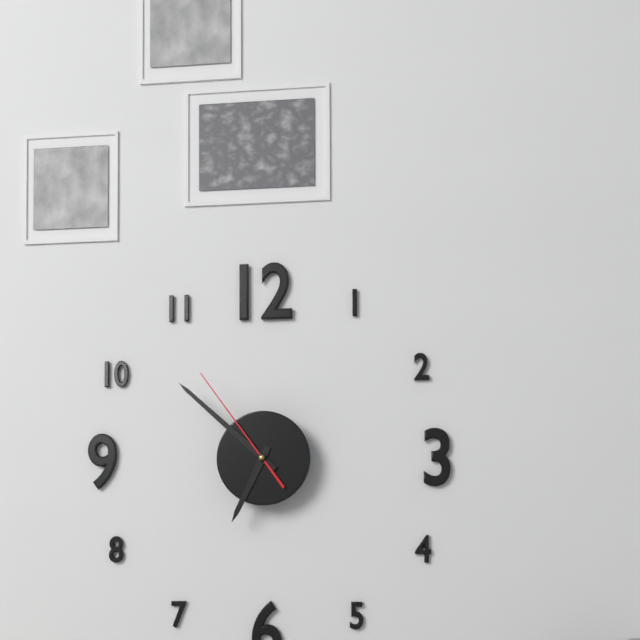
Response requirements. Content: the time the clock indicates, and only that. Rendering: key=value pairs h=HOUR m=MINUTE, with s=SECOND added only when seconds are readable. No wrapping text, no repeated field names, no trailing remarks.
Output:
h=6 m=52 s=54
